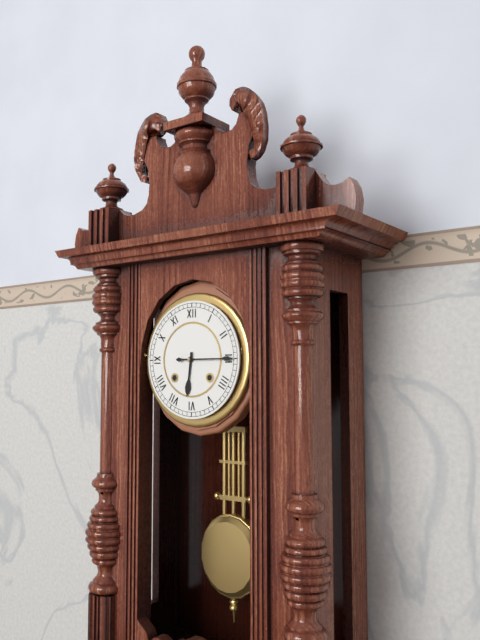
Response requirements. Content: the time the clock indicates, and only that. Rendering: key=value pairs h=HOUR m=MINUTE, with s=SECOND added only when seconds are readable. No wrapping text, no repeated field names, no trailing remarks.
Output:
h=6 m=15
